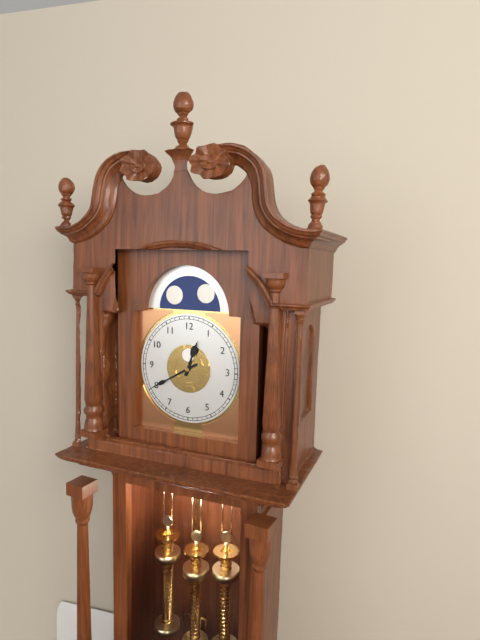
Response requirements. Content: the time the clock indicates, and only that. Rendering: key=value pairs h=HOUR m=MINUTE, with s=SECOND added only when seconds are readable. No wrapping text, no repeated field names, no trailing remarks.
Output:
h=12 m=40
